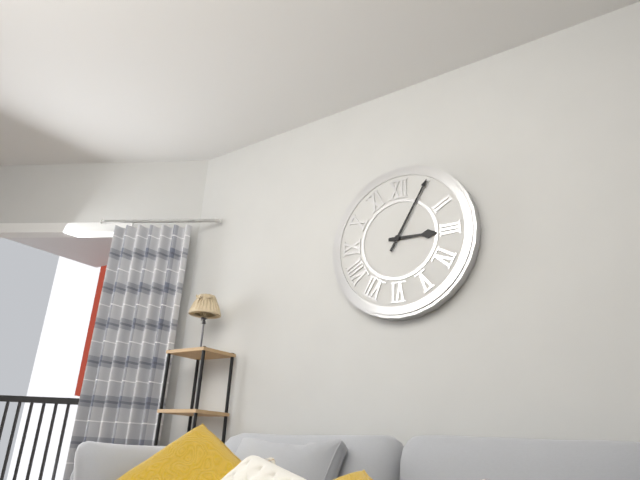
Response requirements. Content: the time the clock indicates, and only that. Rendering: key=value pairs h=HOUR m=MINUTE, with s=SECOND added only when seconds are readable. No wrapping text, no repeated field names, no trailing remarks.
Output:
h=3 m=5
